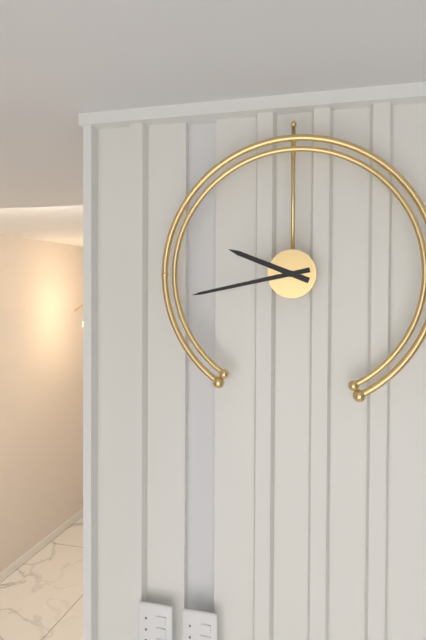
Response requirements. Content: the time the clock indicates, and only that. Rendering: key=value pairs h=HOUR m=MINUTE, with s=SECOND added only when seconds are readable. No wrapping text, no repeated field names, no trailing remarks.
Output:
h=9 m=43
